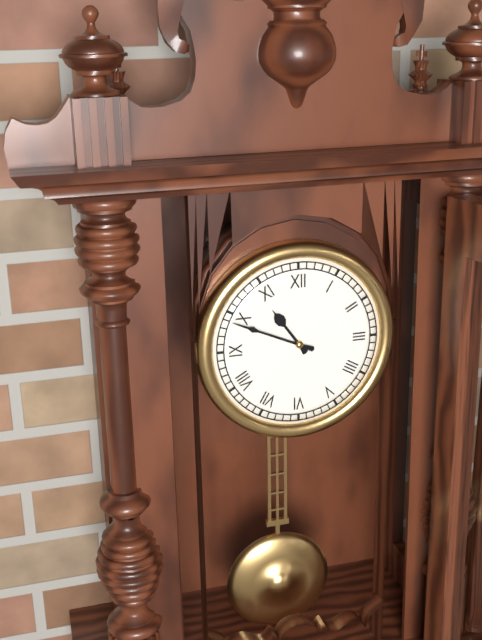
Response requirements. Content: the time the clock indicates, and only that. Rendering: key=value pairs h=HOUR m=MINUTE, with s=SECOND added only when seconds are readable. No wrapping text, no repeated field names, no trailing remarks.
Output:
h=10 m=49
